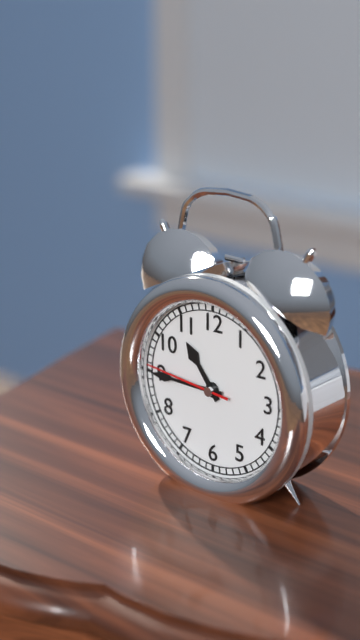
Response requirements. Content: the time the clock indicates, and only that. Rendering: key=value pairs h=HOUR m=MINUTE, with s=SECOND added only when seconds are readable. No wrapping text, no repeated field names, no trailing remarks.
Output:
h=10 m=45 s=46
